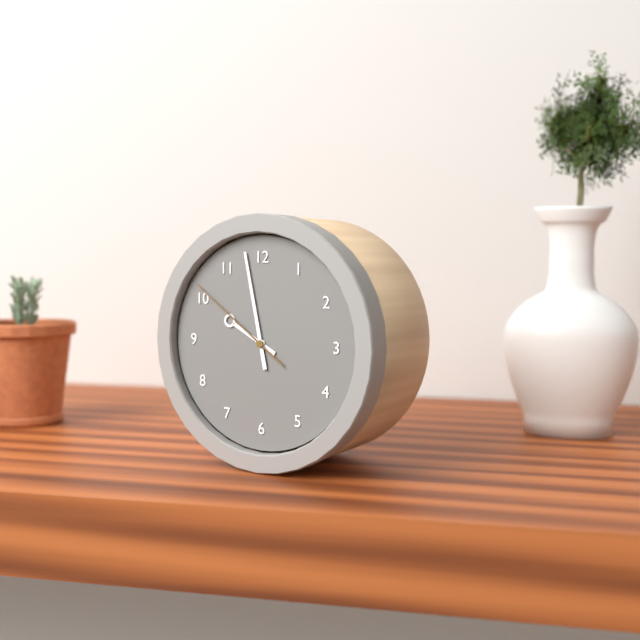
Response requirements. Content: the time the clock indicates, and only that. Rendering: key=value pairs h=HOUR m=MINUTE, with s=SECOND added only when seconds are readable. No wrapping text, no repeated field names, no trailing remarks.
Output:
h=9 m=58 s=51
